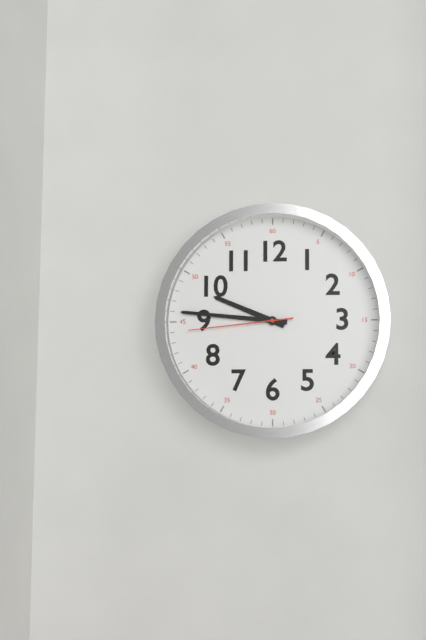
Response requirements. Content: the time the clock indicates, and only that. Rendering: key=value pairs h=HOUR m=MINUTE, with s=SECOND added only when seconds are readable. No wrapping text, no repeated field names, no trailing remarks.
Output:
h=9 m=46 s=44
